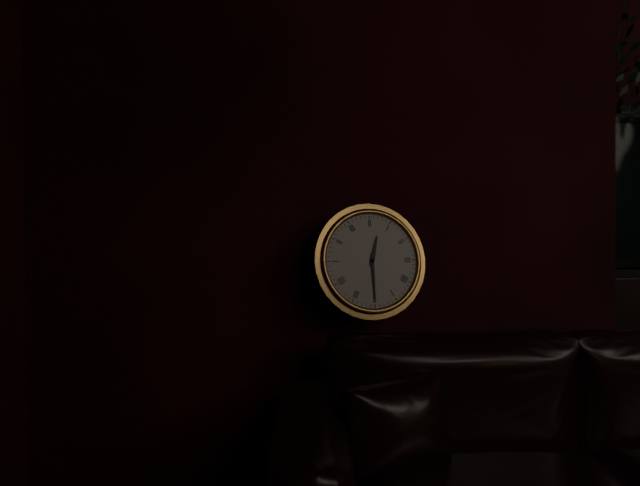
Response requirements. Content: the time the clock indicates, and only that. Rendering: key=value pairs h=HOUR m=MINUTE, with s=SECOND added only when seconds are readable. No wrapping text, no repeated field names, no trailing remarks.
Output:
h=12 m=30
